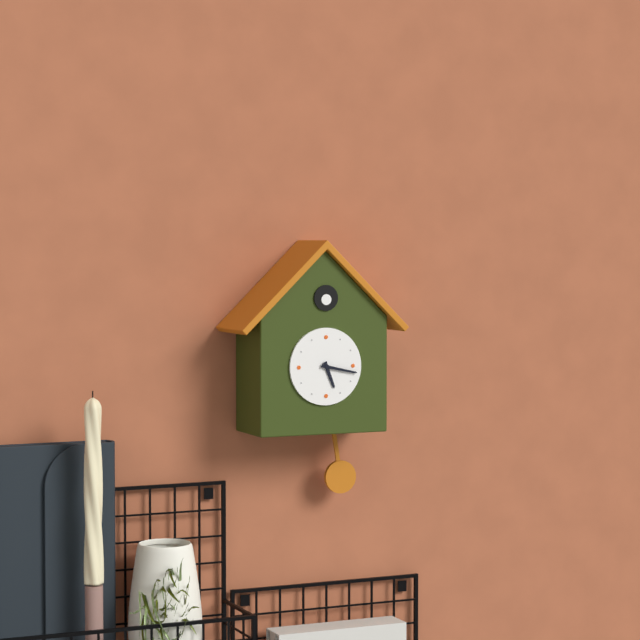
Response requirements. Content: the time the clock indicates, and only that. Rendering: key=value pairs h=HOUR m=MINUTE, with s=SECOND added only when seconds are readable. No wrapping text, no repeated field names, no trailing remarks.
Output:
h=5 m=17
